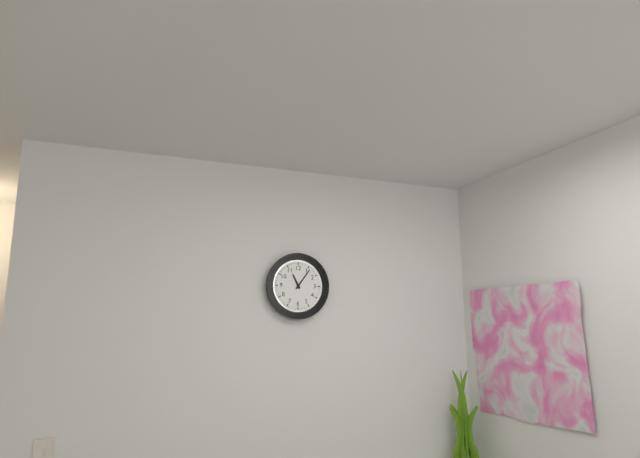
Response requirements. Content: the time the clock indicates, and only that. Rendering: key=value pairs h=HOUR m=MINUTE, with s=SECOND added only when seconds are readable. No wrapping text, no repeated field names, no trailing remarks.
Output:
h=11 m=6
